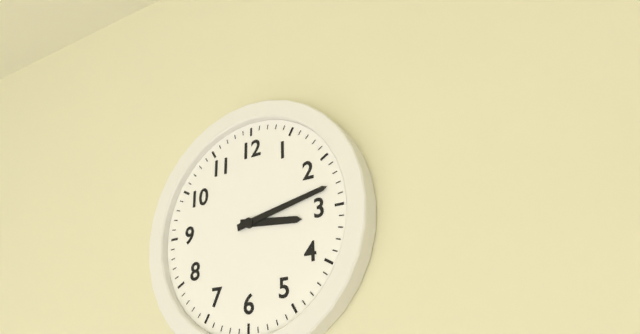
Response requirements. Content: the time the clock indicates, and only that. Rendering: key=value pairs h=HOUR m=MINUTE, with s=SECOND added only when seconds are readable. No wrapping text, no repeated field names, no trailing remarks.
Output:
h=3 m=13
